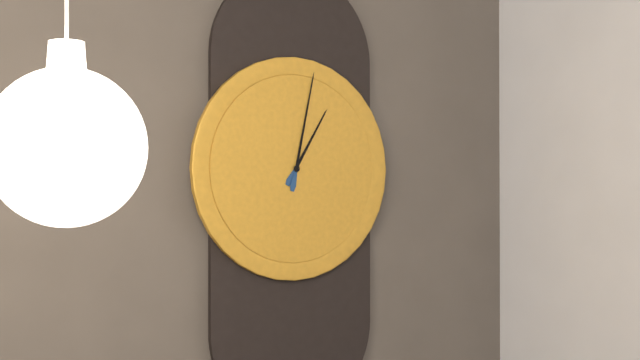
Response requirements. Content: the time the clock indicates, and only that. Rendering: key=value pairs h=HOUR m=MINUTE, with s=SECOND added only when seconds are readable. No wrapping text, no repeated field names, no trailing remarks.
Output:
h=1 m=2
